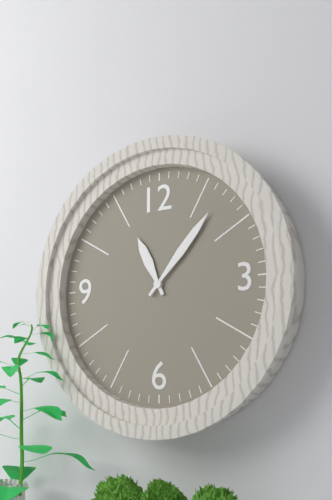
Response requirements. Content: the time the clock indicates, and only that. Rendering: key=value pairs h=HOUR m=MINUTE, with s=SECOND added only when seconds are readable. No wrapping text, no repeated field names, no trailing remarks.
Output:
h=11 m=7
